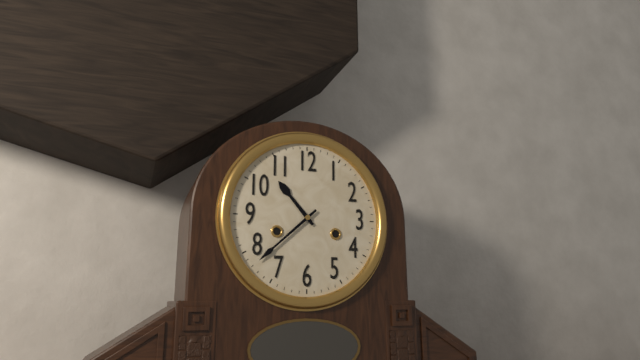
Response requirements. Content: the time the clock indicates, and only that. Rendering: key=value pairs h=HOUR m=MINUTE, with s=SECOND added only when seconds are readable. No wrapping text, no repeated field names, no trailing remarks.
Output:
h=10 m=38
